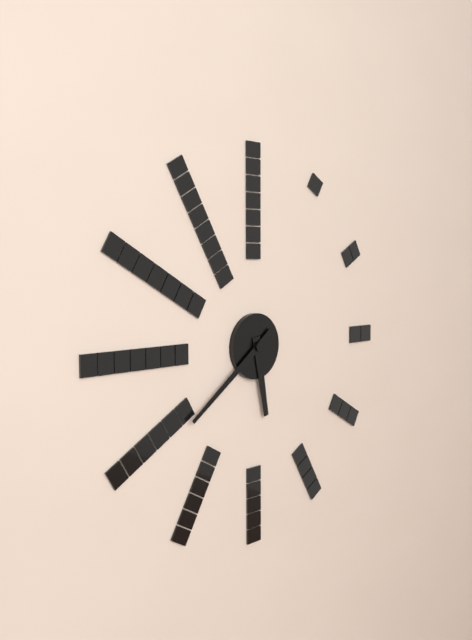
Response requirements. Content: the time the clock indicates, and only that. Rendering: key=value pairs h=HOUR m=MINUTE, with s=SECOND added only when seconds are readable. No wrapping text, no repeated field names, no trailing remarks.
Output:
h=5 m=39
